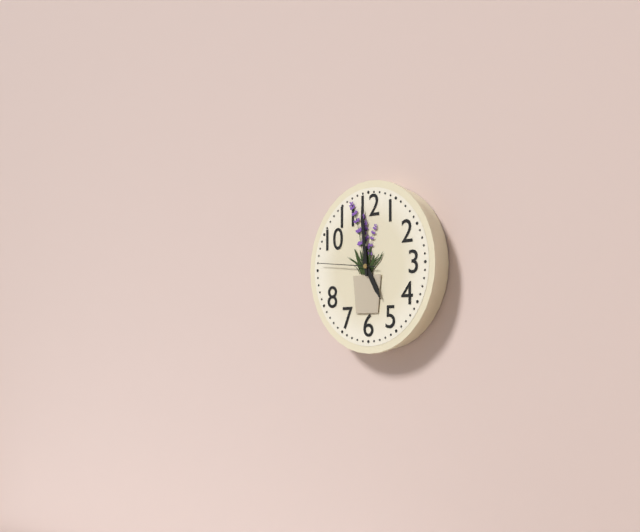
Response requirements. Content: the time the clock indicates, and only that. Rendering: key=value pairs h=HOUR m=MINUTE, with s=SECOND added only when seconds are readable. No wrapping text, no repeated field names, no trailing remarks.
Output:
h=4 m=59 s=46
